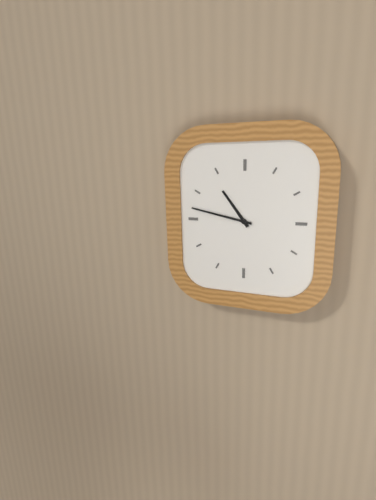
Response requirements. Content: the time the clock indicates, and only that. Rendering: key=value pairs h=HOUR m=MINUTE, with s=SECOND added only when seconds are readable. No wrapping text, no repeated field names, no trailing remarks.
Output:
h=10 m=47
